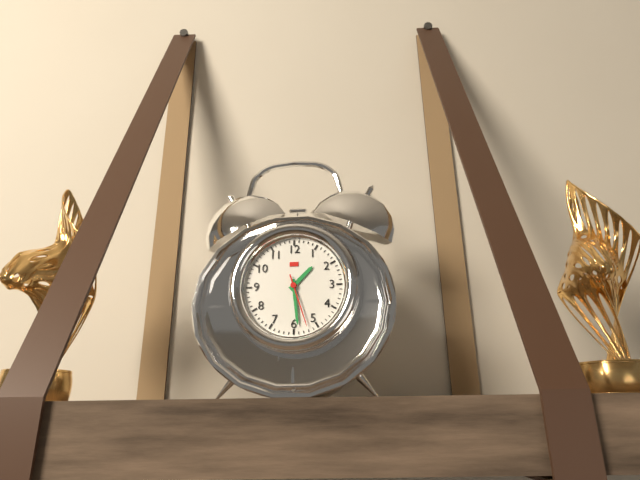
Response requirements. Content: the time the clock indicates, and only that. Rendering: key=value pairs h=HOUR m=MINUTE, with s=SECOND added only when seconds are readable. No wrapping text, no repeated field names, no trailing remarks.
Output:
h=1 m=29 s=27
